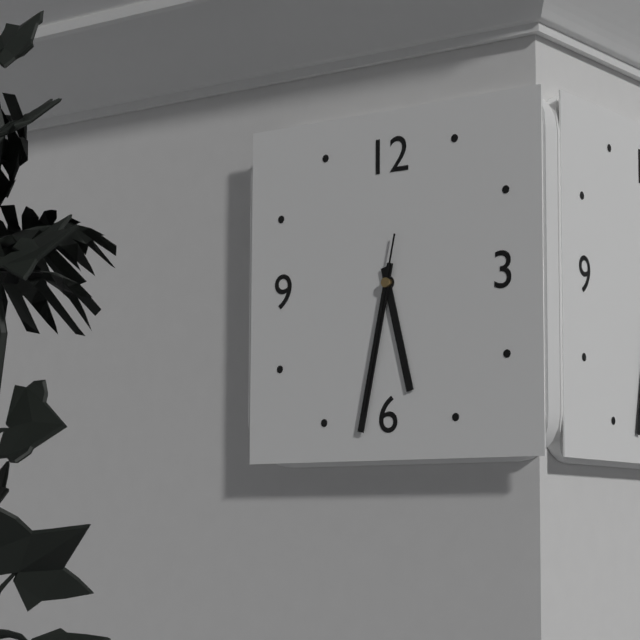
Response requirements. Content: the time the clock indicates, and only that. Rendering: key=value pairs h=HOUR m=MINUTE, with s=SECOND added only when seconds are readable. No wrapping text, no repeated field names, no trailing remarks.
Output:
h=5 m=32 s=32
